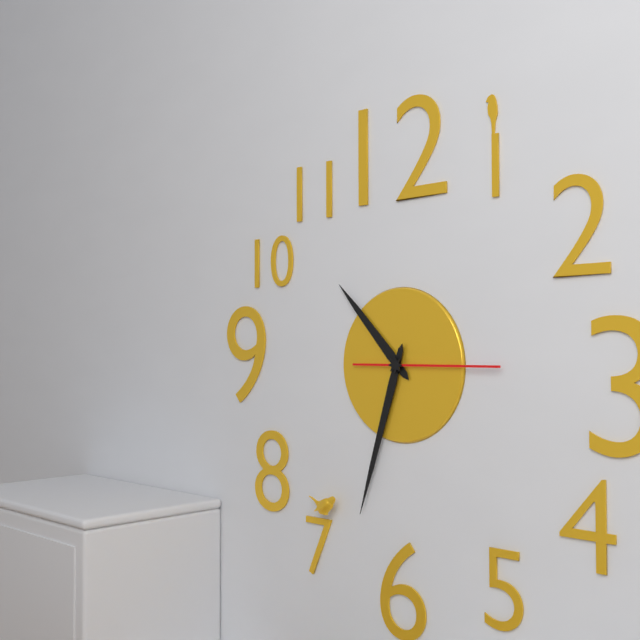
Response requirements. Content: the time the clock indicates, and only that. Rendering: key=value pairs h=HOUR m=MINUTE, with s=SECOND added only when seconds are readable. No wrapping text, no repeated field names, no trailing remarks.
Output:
h=10 m=33 s=15
